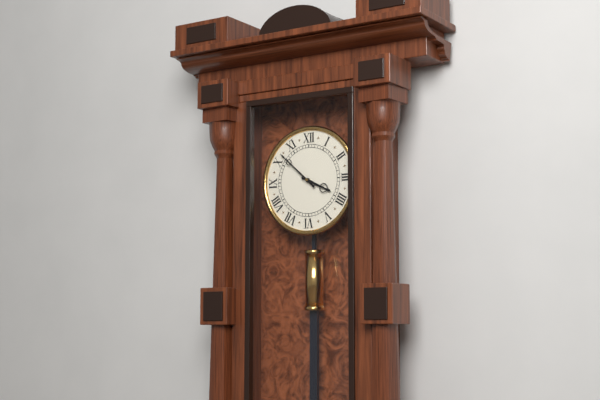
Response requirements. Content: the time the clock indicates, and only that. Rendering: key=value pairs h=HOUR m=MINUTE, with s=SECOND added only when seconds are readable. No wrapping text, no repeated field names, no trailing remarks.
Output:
h=3 m=52
